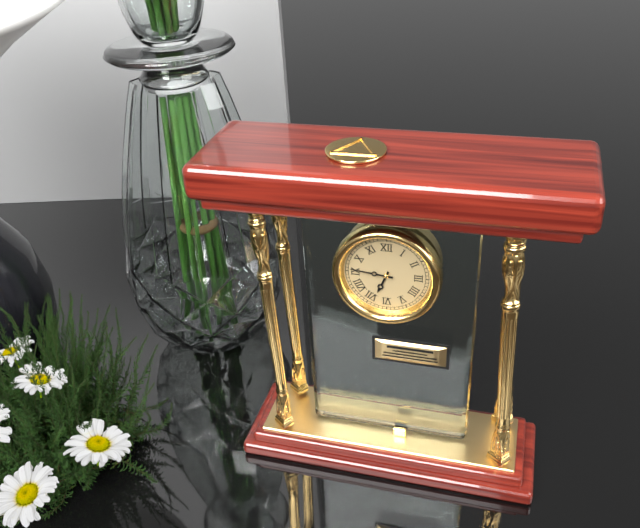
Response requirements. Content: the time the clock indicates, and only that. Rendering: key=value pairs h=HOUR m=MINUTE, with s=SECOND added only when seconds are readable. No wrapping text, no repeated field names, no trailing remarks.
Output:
h=6 m=46
